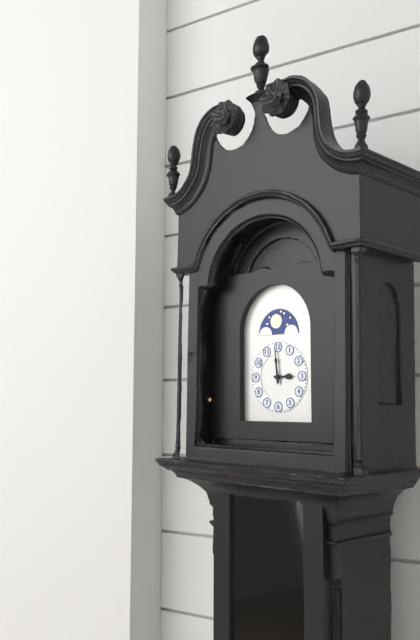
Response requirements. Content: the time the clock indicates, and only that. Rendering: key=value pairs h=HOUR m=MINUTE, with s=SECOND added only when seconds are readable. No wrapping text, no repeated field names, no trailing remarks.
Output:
h=2 m=59
